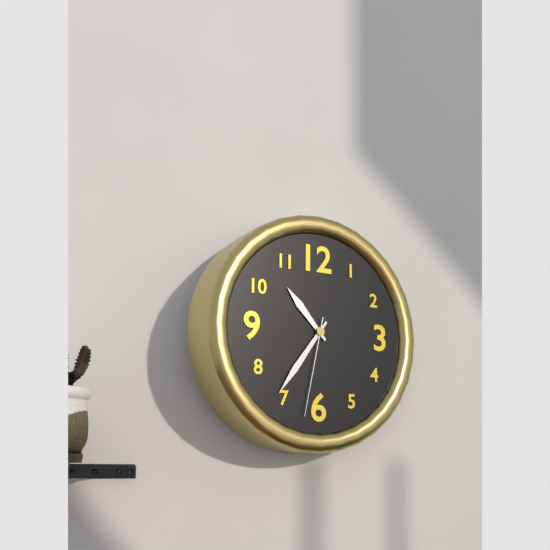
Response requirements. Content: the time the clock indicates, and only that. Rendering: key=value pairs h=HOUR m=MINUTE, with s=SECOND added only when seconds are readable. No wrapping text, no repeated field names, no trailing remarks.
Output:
h=10 m=36 s=32
